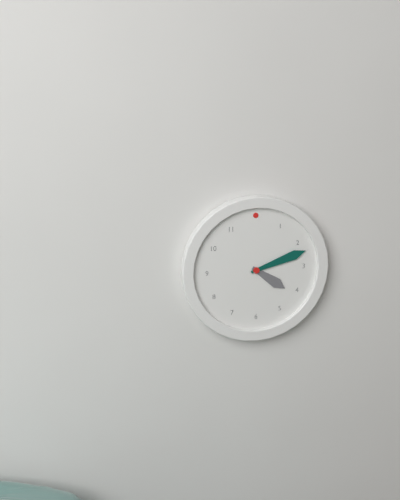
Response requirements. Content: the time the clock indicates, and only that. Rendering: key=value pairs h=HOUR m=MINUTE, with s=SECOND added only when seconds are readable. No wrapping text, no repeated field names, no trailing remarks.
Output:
h=4 m=12
